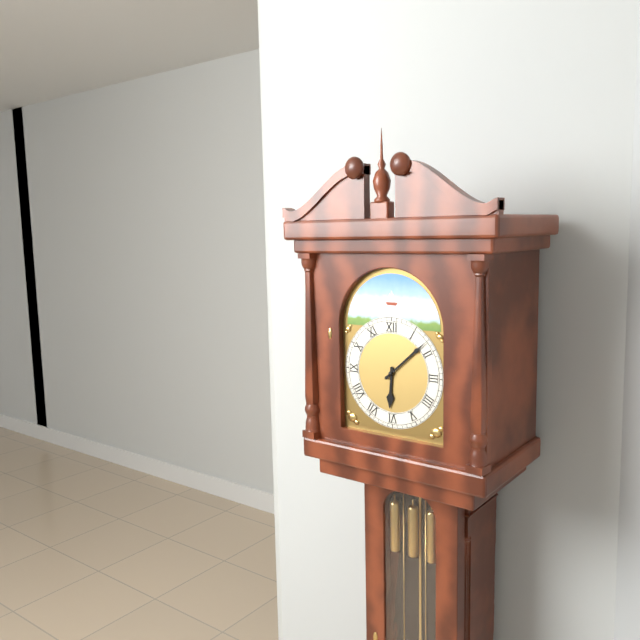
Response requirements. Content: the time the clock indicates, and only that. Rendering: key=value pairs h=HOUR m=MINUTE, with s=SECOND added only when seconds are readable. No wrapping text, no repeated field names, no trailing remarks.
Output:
h=6 m=8
